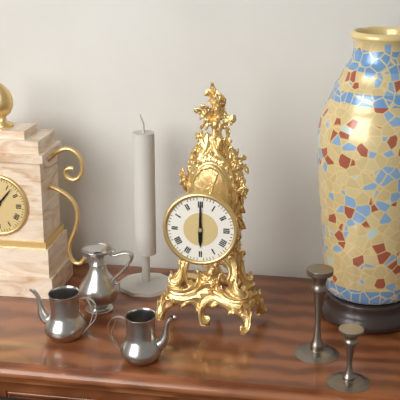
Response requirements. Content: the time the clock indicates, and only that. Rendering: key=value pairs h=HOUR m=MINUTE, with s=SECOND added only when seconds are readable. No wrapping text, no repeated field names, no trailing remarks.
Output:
h=6 m=0
